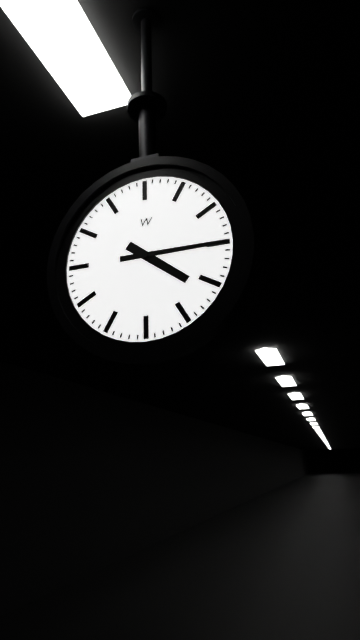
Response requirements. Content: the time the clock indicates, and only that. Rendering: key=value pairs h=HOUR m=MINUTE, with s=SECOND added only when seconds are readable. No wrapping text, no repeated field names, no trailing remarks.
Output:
h=4 m=15
